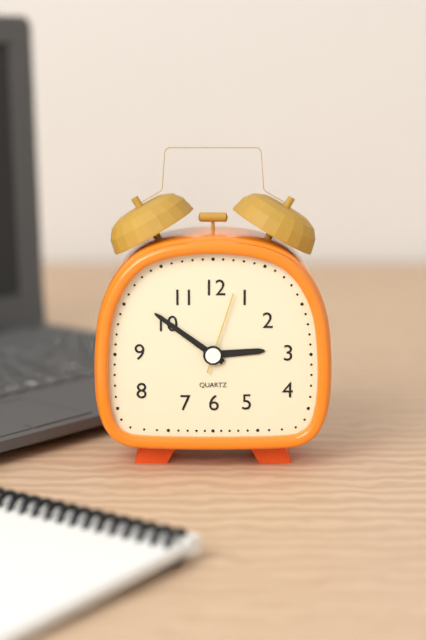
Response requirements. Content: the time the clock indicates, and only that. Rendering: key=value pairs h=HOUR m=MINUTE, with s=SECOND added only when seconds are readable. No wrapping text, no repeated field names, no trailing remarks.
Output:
h=2 m=51 s=3
